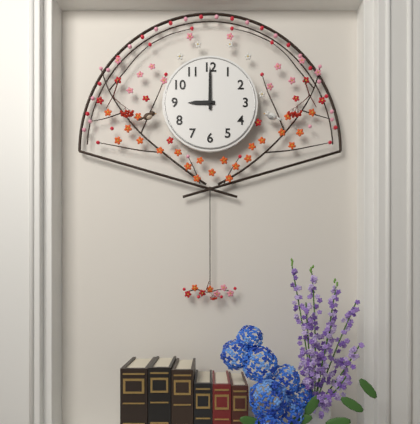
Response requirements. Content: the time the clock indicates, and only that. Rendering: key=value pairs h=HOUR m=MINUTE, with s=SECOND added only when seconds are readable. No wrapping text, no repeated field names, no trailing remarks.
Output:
h=9 m=0
